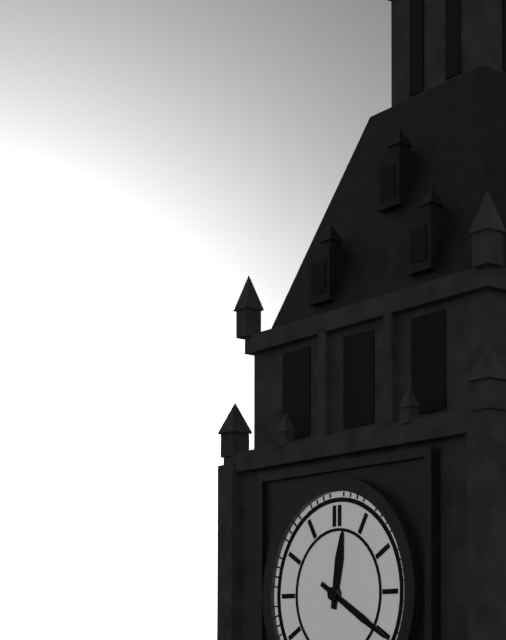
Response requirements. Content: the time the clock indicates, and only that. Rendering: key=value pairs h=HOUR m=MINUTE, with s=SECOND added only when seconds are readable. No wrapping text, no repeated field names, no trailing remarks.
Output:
h=12 m=20
